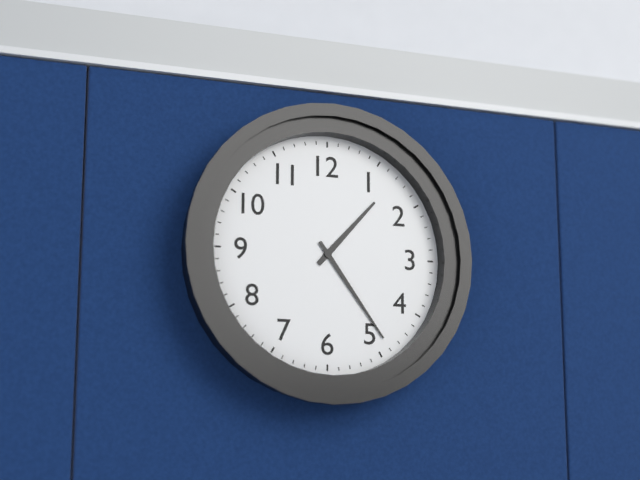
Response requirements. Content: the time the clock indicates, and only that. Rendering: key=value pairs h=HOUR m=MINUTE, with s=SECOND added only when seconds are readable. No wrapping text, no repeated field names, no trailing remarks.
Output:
h=1 m=24
